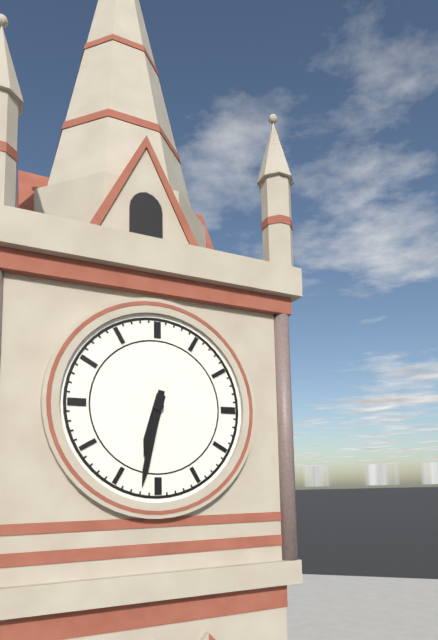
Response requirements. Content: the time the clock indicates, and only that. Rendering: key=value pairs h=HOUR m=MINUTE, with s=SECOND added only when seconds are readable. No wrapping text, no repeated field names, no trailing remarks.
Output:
h=6 m=32
